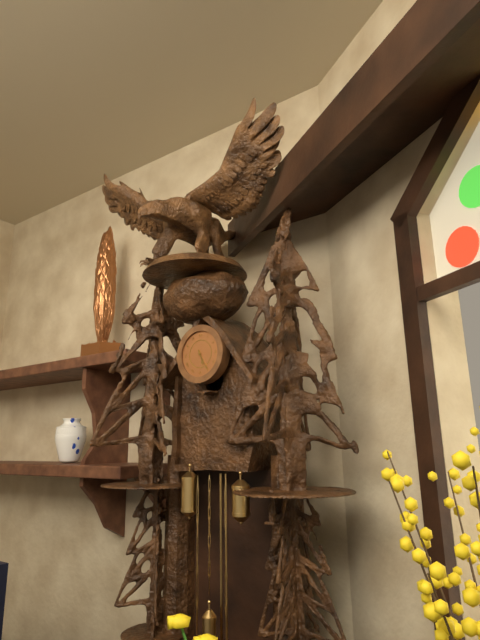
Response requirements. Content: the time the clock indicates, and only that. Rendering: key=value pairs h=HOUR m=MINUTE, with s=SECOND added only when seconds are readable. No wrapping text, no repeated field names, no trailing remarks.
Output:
h=5 m=25
